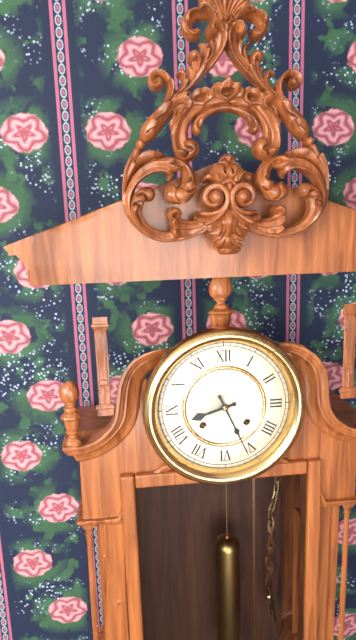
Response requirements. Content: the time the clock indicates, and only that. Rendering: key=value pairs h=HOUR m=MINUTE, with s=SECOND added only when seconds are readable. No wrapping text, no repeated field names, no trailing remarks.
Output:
h=8 m=26
